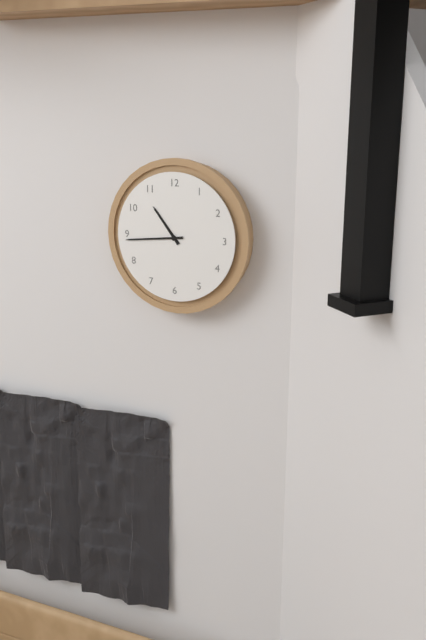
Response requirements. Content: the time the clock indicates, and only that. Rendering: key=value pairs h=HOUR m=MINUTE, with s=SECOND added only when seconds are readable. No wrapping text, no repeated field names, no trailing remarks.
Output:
h=10 m=44
